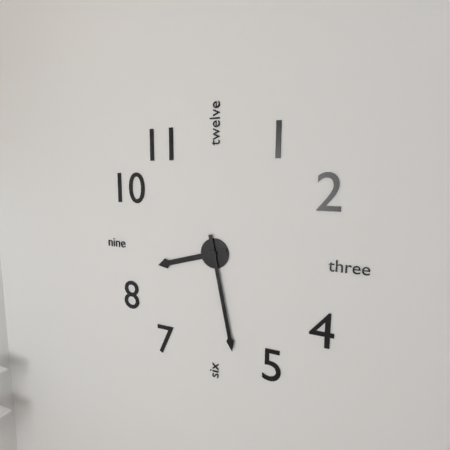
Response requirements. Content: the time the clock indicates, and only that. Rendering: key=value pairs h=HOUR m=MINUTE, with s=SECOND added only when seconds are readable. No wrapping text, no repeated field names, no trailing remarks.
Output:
h=8 m=28
